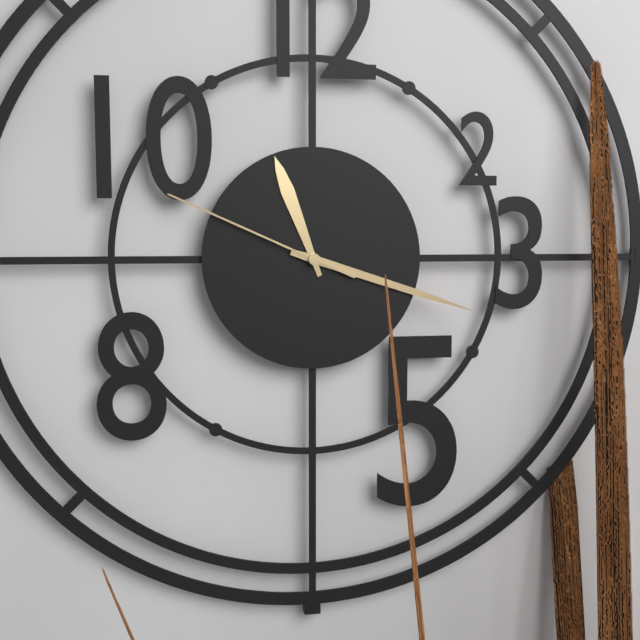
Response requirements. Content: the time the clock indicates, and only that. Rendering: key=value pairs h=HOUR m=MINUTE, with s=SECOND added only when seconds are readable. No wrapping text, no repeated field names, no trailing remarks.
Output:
h=11 m=18 s=49
